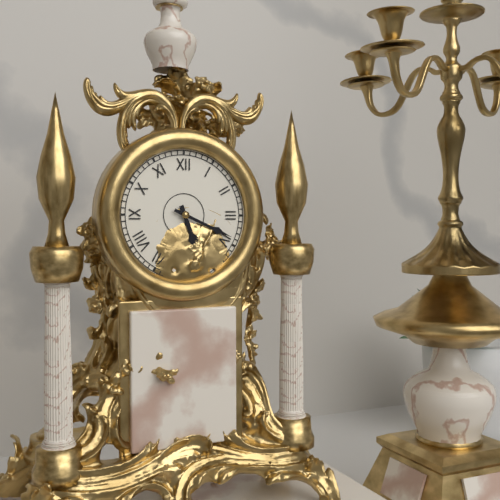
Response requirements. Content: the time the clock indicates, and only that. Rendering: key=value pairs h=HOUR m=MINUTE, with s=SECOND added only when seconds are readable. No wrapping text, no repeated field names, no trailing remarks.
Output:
h=5 m=19
